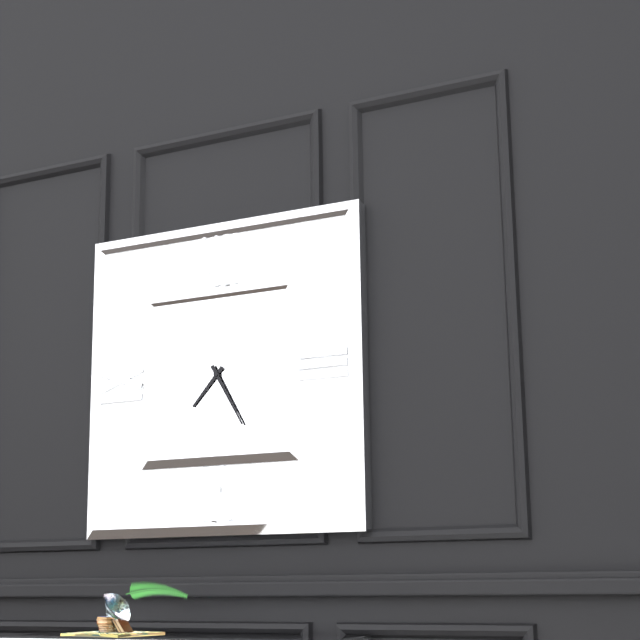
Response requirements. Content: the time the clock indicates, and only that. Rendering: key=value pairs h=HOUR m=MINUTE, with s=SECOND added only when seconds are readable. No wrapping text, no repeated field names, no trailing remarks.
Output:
h=7 m=25
